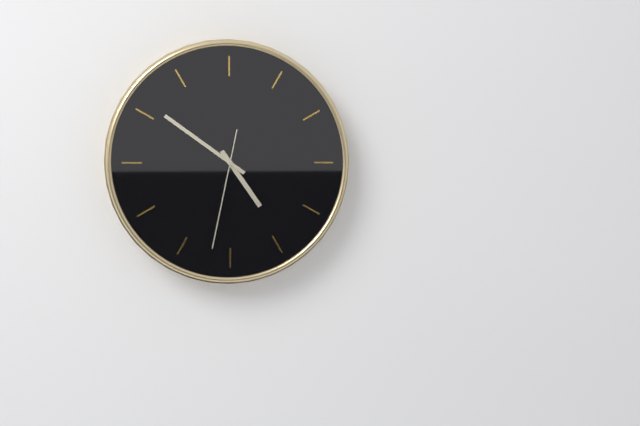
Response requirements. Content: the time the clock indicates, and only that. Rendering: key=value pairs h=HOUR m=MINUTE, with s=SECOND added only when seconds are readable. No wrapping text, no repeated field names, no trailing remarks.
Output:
h=4 m=51 s=32
